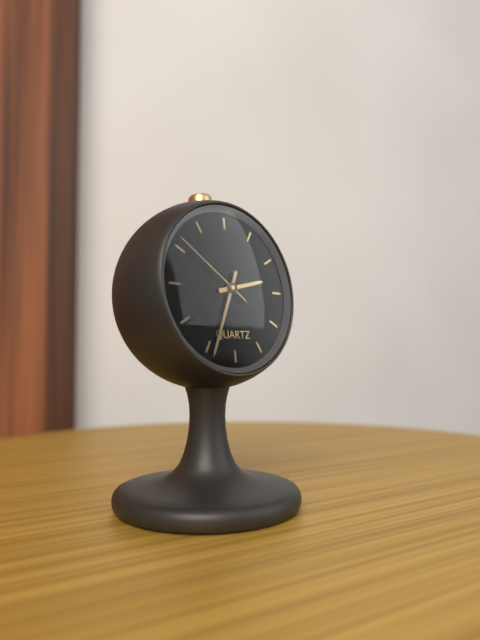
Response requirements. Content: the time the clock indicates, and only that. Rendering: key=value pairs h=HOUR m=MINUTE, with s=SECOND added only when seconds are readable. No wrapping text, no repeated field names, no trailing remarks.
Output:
h=2 m=34 s=51
